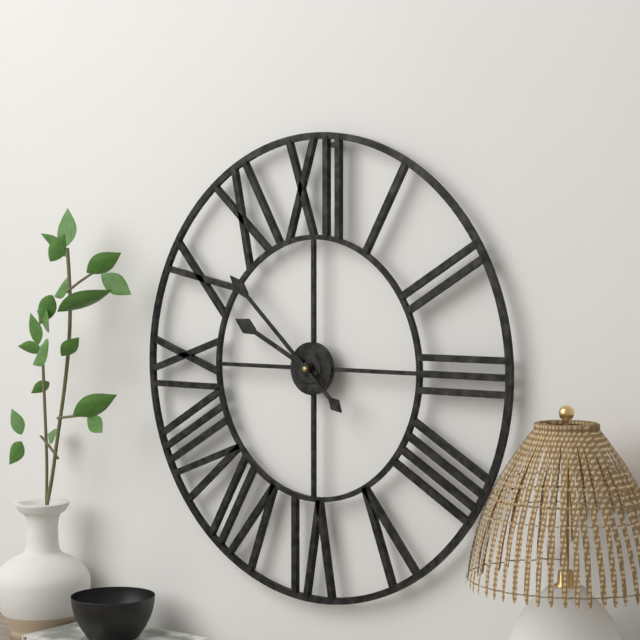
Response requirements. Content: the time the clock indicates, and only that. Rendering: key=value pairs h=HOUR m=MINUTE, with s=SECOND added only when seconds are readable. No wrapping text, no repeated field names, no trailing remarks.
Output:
h=9 m=52
